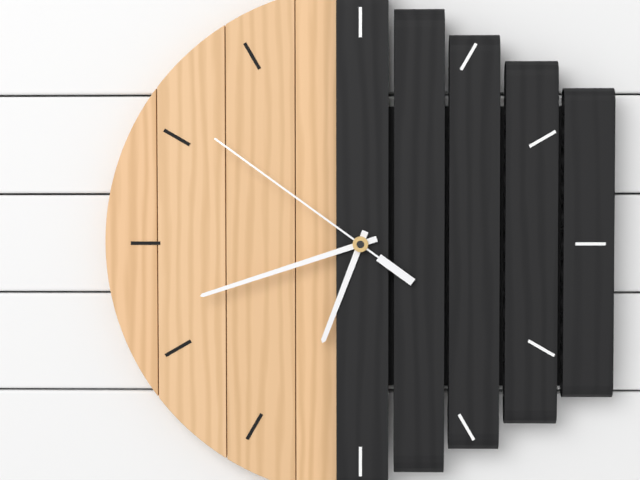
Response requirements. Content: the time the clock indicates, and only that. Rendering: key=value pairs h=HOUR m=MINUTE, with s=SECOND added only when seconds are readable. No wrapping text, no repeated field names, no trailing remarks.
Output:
h=6 m=42 s=51
